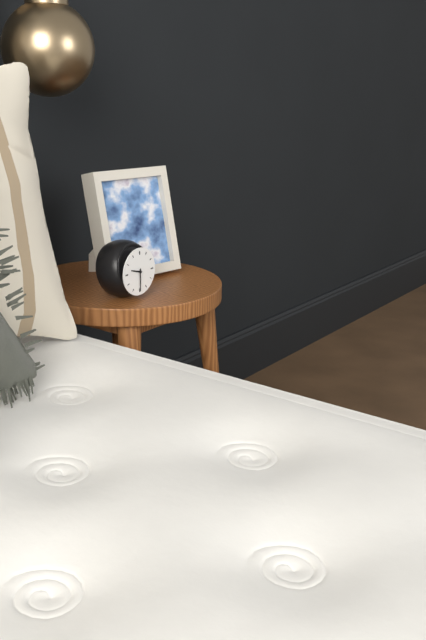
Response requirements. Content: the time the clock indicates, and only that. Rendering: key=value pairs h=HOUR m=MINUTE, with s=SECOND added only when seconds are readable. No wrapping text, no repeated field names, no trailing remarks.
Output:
h=9 m=30
